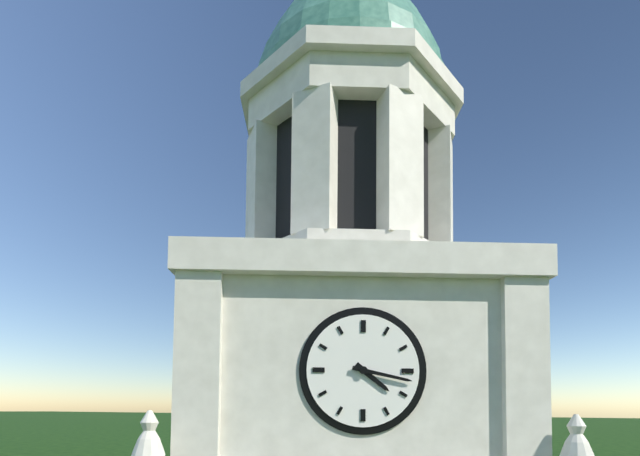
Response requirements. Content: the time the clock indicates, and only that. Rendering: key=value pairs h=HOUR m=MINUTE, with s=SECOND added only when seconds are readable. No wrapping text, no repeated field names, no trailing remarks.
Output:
h=4 m=17
